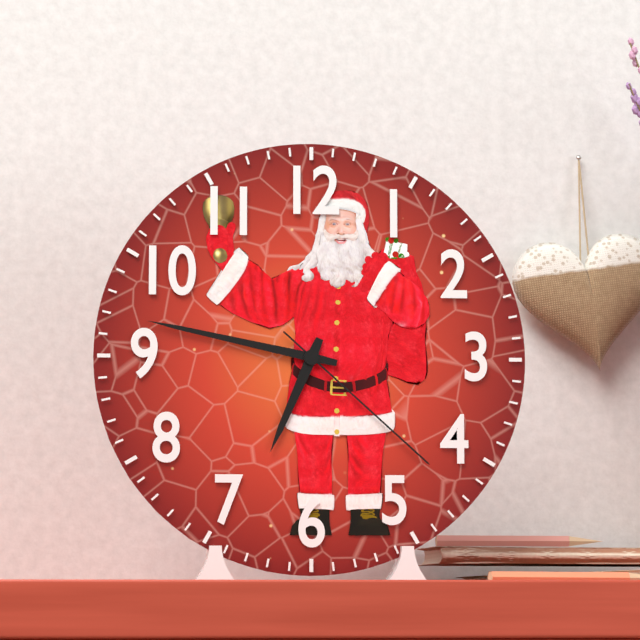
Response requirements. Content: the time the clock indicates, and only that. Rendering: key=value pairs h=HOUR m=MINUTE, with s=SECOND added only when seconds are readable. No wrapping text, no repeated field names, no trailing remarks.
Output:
h=6 m=47 s=22
